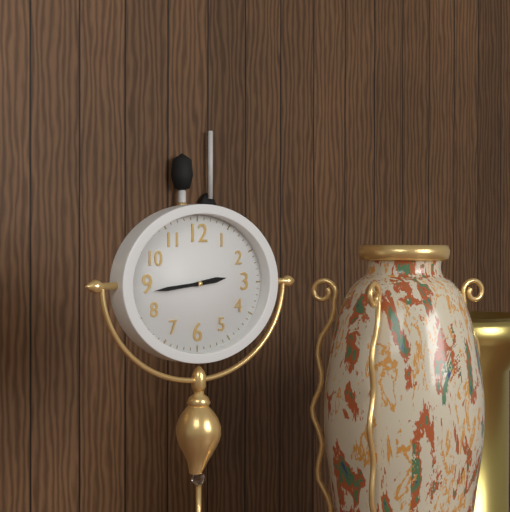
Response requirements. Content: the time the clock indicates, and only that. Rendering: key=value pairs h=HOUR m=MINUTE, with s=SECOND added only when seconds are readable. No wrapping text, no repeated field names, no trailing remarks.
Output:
h=2 m=44
